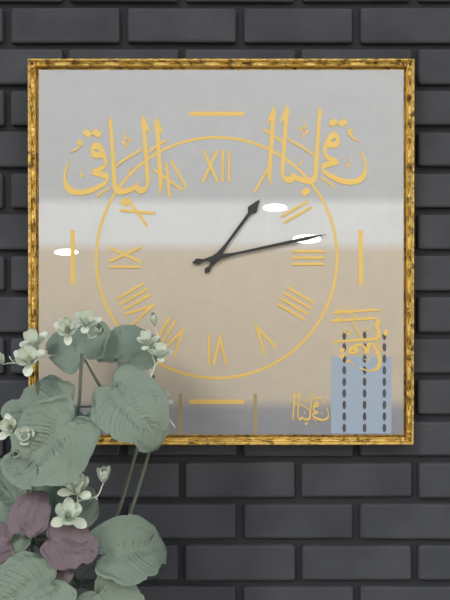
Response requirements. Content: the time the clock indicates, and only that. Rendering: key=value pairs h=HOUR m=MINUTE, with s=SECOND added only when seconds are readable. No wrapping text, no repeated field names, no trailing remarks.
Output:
h=1 m=13
